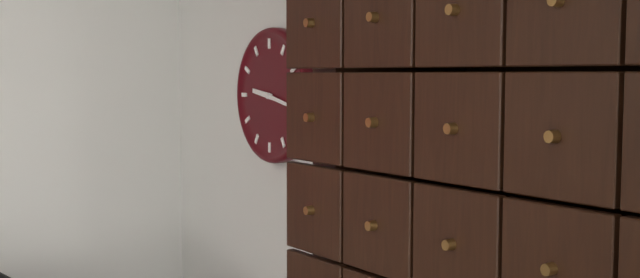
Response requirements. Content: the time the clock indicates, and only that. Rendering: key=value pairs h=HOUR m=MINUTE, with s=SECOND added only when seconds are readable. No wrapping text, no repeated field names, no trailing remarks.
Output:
h=9 m=17
